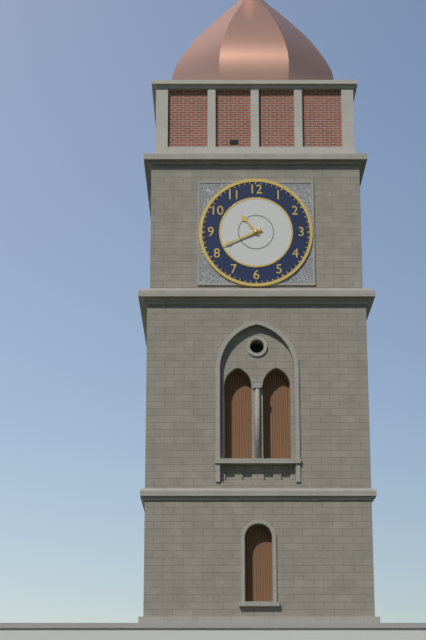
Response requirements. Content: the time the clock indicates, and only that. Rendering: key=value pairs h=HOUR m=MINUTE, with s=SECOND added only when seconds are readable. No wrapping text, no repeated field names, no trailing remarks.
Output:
h=10 m=41
